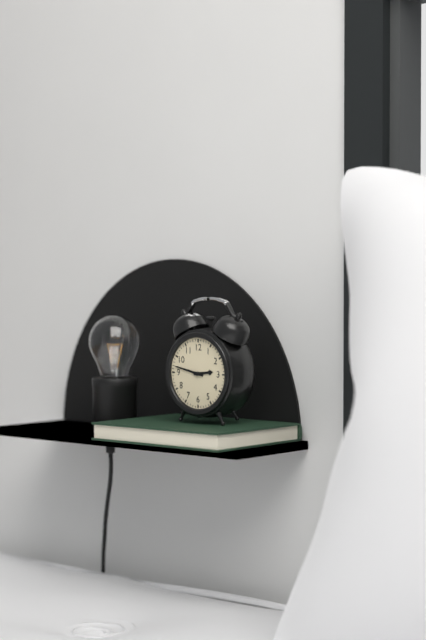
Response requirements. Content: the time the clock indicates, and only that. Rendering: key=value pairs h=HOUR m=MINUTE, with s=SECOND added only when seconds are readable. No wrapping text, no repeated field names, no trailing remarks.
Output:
h=2 m=47
